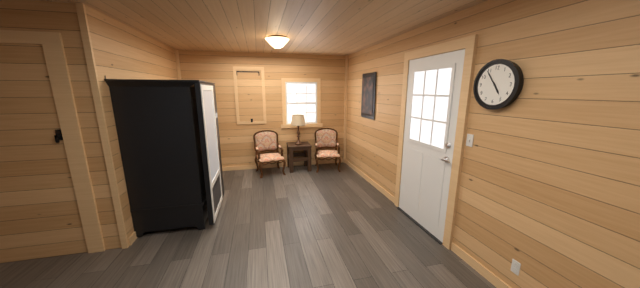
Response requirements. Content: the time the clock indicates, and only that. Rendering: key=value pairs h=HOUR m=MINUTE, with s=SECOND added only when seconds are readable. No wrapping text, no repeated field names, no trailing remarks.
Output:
h=4 m=54
